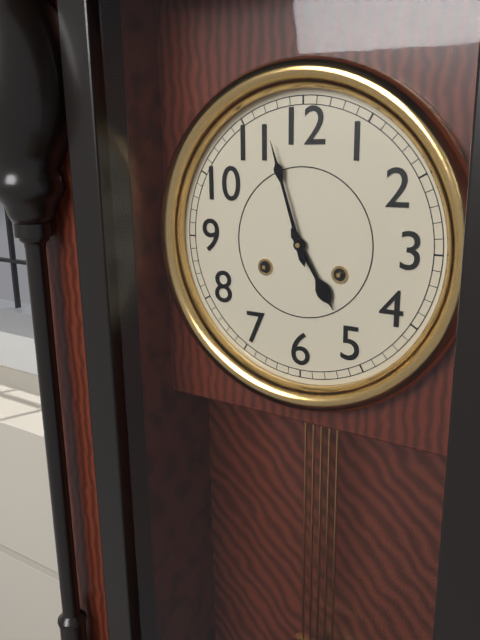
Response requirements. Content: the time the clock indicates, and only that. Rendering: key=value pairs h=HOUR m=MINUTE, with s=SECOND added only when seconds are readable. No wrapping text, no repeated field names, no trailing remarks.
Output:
h=4 m=57
